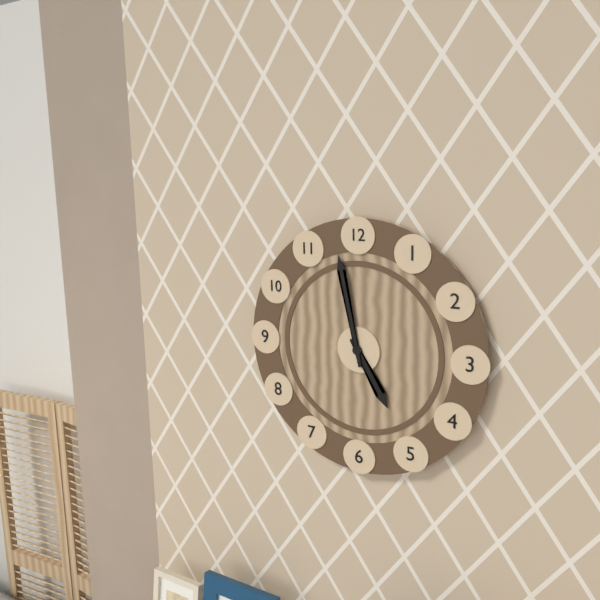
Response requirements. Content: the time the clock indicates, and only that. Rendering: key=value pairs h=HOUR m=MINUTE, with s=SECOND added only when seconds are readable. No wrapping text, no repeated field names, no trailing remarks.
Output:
h=4 m=58
